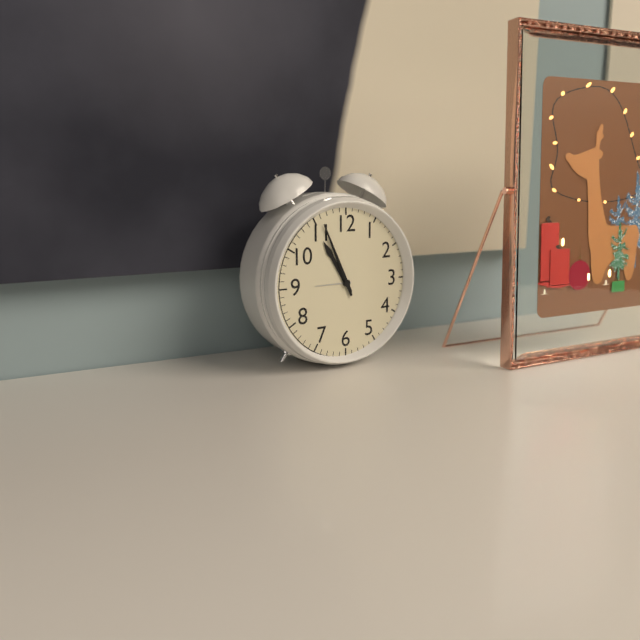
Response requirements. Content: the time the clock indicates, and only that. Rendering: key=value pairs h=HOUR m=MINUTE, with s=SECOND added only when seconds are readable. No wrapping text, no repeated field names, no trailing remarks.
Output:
h=10 m=56
